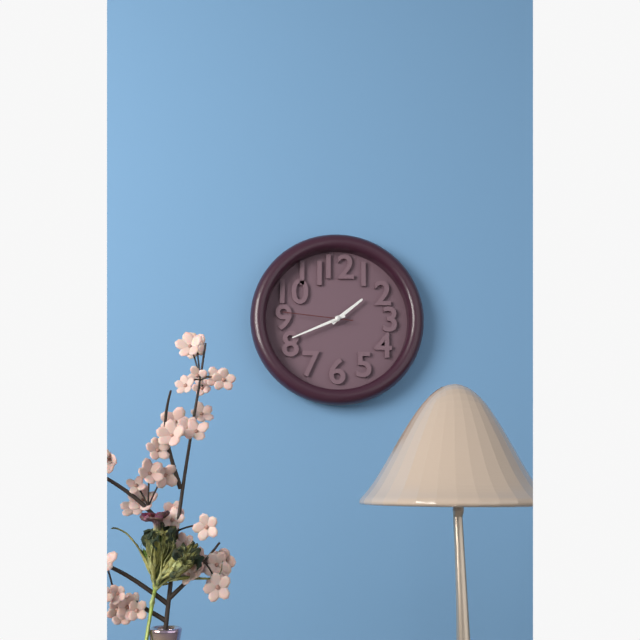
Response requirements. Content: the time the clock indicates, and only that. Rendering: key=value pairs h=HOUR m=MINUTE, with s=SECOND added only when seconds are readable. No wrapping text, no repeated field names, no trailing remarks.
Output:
h=1 m=41 s=46
